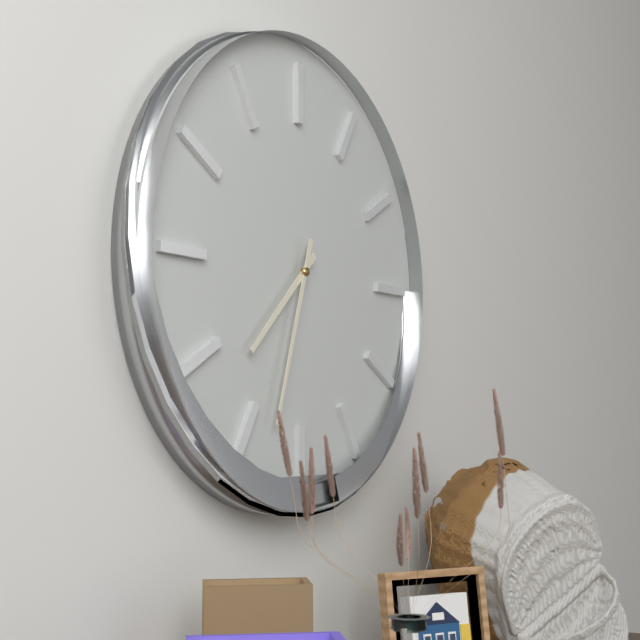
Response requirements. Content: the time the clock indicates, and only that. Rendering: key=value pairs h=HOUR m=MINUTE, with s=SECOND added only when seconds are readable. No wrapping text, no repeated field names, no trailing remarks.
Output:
h=7 m=33
